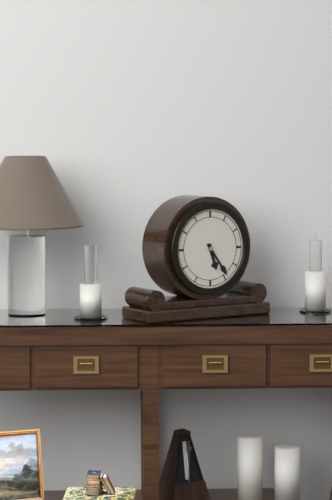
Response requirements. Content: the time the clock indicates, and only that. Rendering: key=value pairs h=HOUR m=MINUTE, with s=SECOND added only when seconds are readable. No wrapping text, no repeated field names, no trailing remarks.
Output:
h=5 m=24
